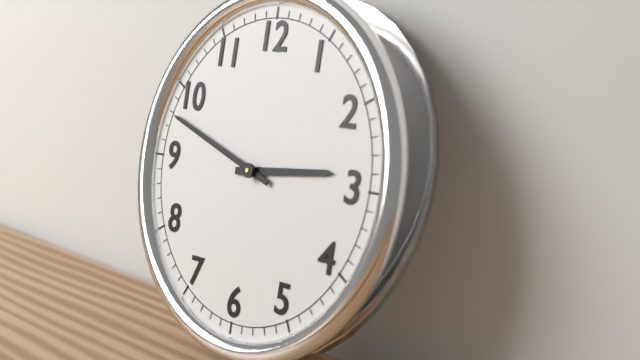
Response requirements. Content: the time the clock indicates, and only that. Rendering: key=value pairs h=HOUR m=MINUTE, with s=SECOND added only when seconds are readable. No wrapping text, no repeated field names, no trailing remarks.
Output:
h=2 m=48
